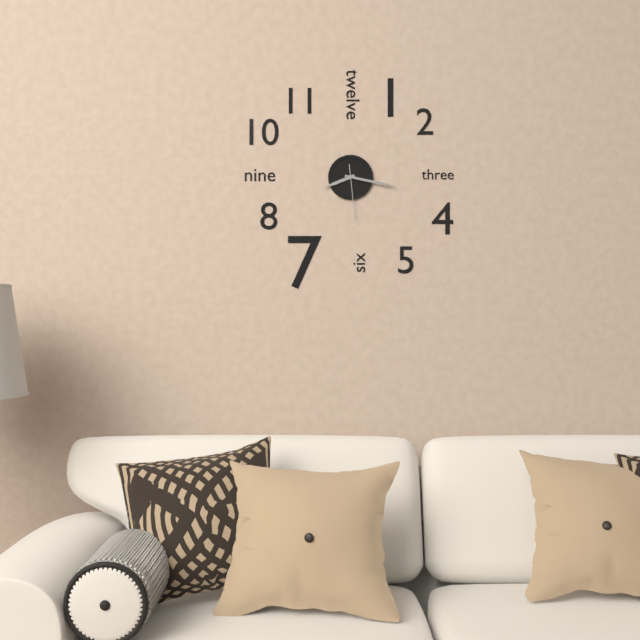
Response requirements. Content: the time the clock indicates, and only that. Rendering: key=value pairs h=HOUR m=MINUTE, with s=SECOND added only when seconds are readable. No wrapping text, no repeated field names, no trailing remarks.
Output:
h=8 m=17 s=29
